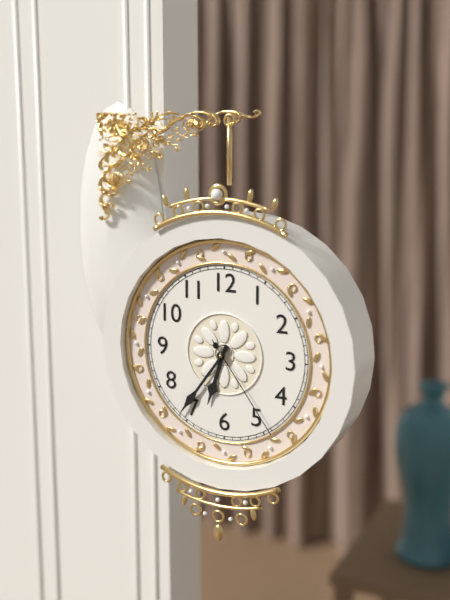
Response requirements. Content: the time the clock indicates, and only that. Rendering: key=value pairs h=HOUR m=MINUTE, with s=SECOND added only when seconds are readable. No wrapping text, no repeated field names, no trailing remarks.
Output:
h=6 m=36 s=24
